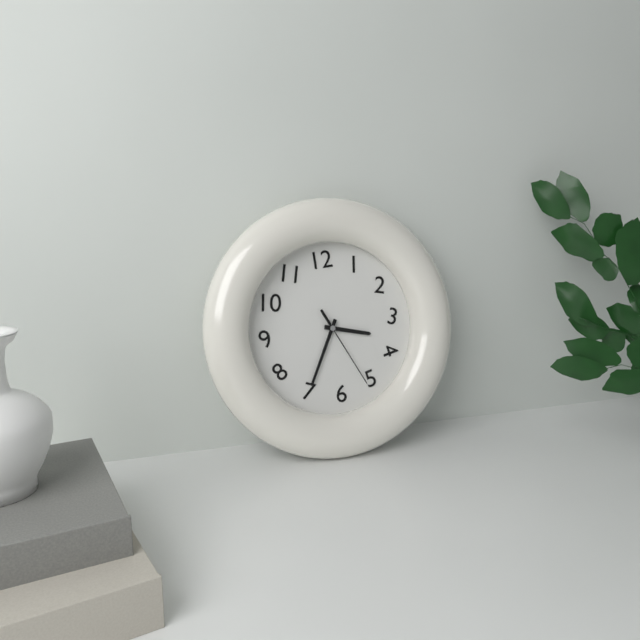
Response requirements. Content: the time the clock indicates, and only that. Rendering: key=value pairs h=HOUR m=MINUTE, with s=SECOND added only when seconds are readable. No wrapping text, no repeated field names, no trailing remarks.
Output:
h=3 m=35 s=26
